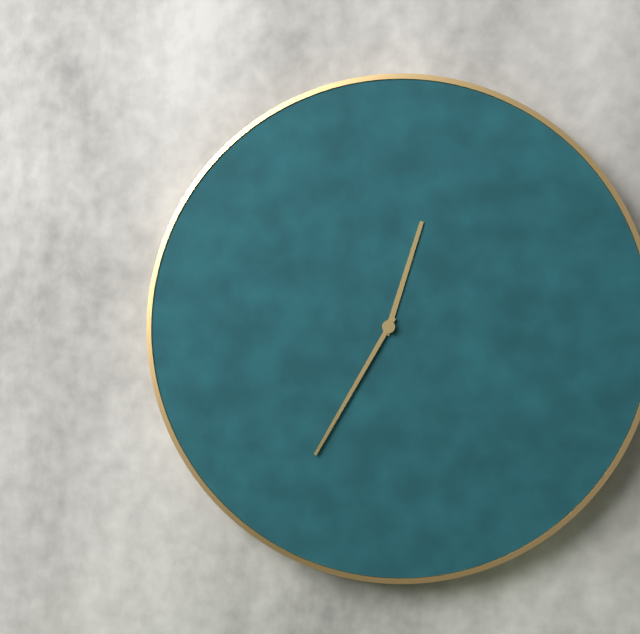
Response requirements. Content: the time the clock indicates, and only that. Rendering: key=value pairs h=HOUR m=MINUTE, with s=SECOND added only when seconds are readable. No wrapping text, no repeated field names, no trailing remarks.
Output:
h=12 m=35
